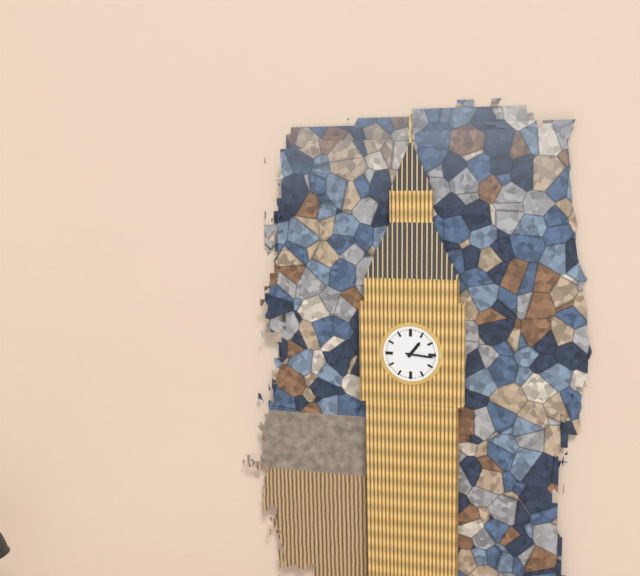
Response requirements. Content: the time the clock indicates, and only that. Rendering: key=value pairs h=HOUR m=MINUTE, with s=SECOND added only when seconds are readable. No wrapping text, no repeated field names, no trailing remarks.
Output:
h=1 m=16
